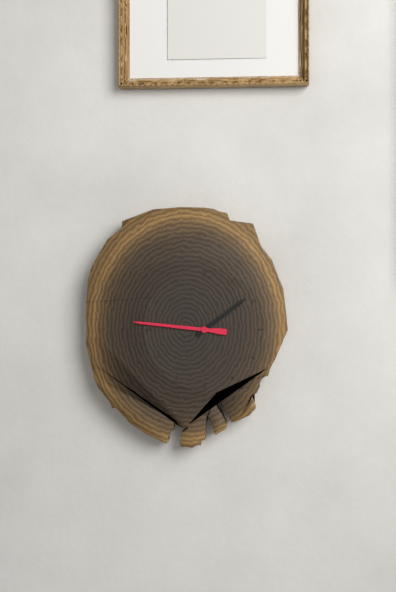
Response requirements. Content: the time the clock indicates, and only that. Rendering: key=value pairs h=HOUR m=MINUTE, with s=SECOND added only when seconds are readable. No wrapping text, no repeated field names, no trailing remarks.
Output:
h=1 m=46
